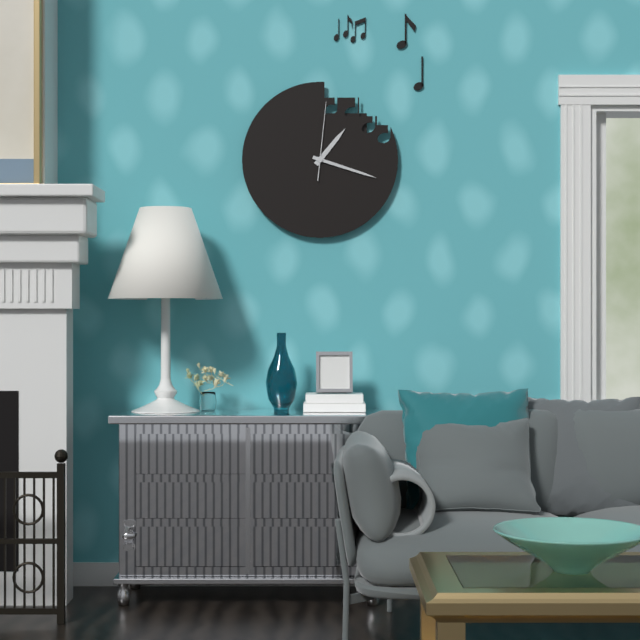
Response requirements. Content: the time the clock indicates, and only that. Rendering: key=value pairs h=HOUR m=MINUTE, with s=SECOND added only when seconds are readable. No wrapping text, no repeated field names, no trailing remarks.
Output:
h=1 m=18 s=1
